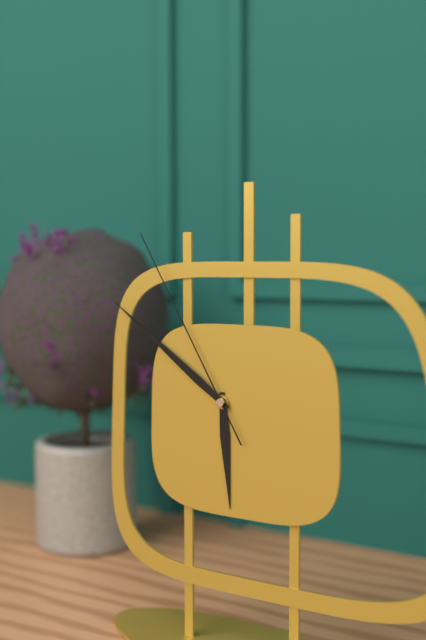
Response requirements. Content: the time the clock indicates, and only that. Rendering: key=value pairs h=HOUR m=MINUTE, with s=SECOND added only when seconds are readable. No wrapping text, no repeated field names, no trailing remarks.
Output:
h=5 m=51 s=55
